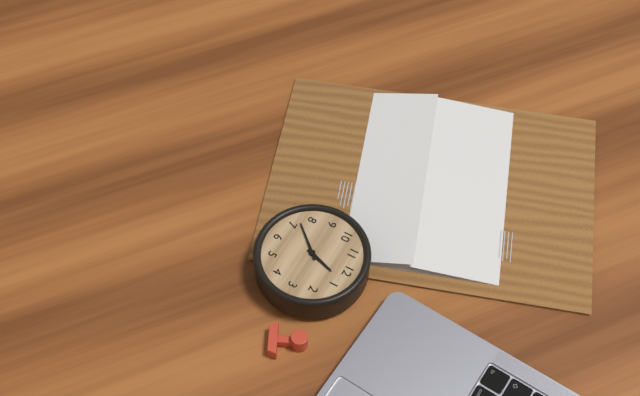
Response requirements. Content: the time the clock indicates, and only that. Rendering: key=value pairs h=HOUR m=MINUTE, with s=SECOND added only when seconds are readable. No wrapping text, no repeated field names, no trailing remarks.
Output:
h=12 m=37
